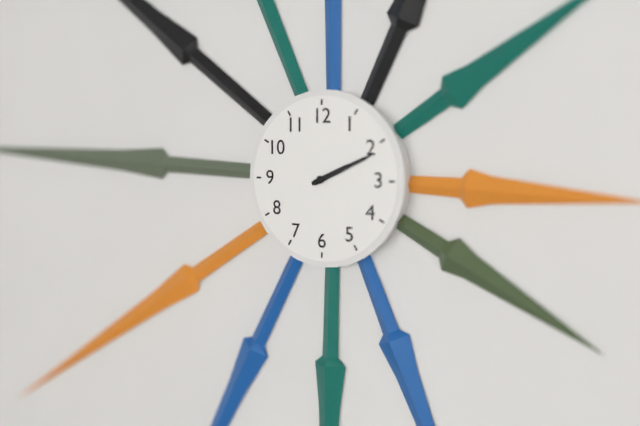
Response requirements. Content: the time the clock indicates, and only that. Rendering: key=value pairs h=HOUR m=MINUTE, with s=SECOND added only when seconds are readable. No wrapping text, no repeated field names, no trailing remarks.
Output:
h=2 m=11
